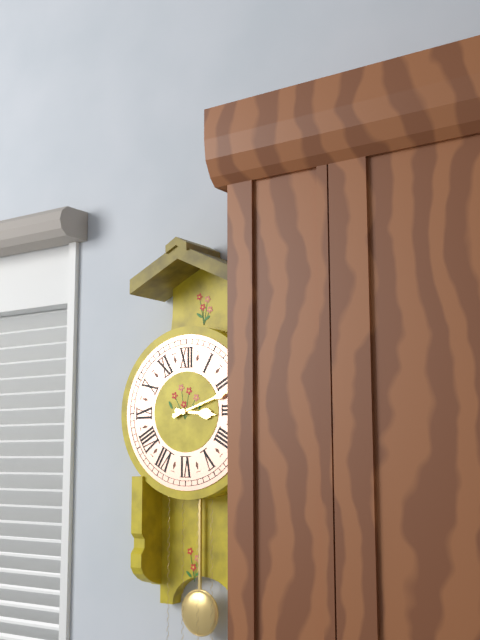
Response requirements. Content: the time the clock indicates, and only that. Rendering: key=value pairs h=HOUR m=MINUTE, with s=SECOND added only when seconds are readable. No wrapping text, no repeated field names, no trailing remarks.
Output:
h=3 m=12
